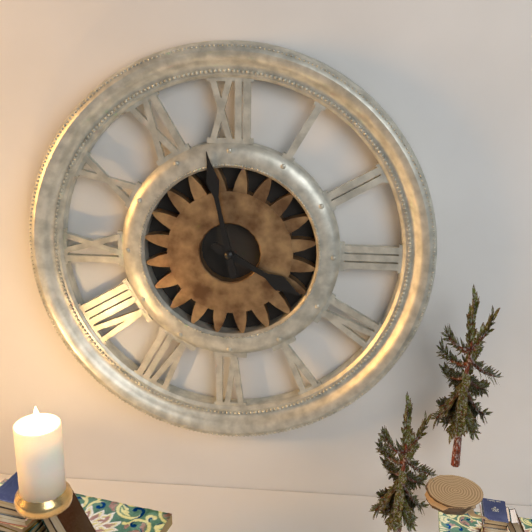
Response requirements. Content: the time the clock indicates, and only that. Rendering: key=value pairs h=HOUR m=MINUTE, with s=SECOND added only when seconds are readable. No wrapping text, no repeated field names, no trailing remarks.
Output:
h=3 m=58
